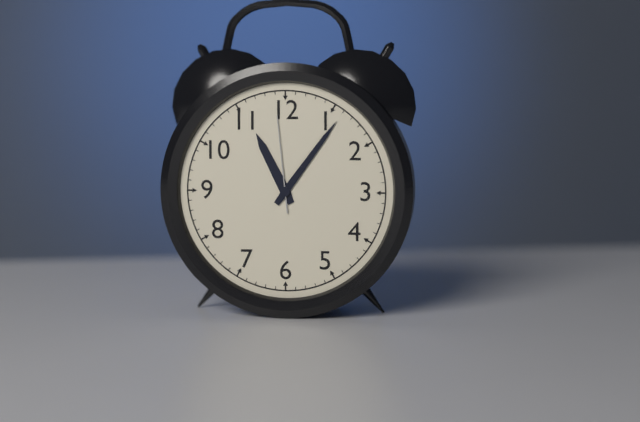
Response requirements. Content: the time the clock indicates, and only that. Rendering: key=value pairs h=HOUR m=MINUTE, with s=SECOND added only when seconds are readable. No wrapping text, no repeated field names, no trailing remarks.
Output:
h=11 m=6 s=59
